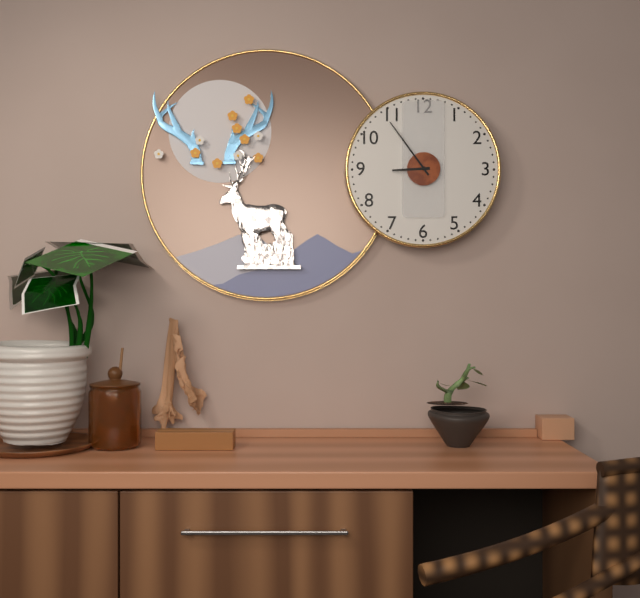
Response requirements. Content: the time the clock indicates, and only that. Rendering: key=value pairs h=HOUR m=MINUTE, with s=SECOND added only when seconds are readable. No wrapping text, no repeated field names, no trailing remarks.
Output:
h=8 m=54
